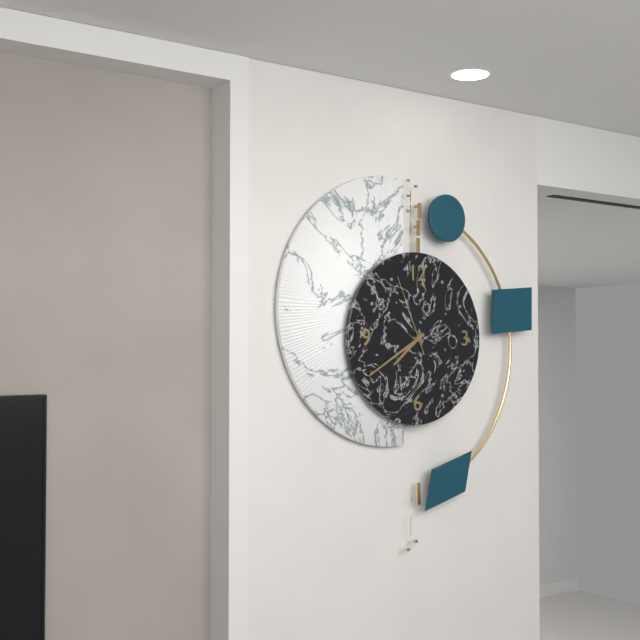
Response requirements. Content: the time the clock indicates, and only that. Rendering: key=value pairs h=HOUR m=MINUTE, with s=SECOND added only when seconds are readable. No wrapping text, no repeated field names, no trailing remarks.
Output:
h=7 m=40 s=56
